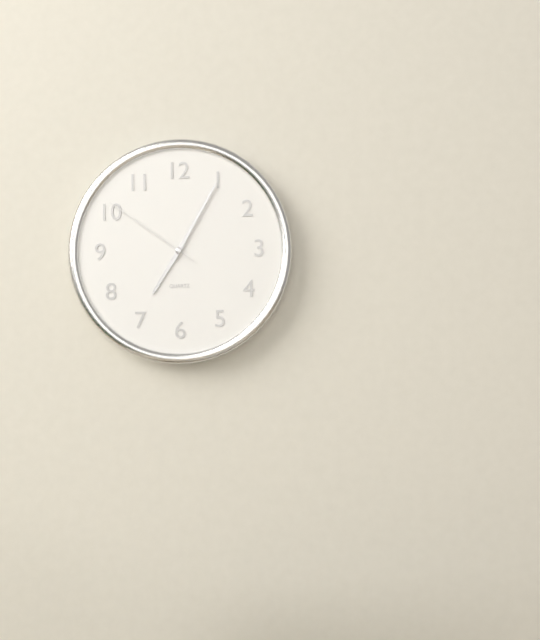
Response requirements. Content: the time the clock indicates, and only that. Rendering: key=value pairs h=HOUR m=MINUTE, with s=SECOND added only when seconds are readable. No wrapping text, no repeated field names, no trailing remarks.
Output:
h=7 m=5 s=51
